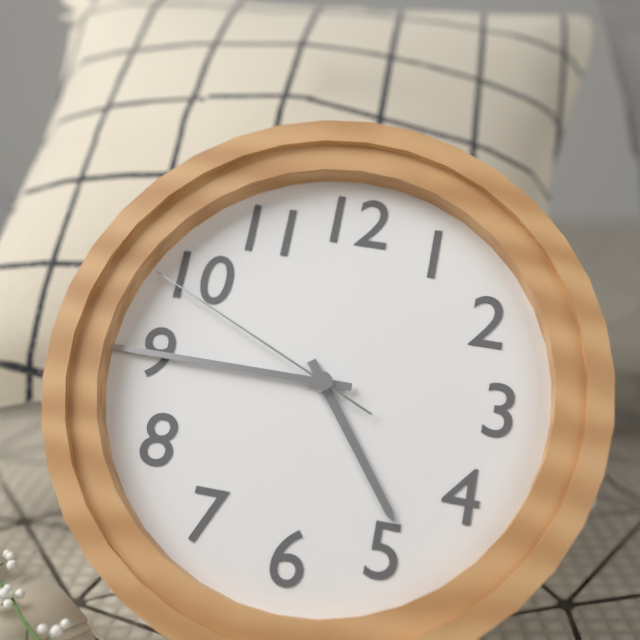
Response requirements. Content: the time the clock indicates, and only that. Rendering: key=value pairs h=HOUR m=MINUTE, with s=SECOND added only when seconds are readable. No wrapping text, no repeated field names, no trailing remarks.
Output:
h=4 m=45 s=49
